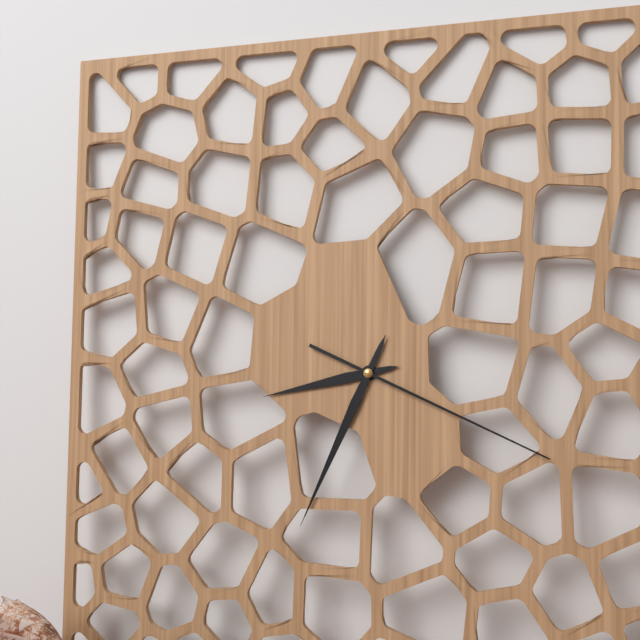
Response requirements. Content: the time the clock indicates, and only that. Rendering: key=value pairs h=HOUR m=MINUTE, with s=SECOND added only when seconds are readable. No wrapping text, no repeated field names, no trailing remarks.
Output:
h=8 m=34 s=19
